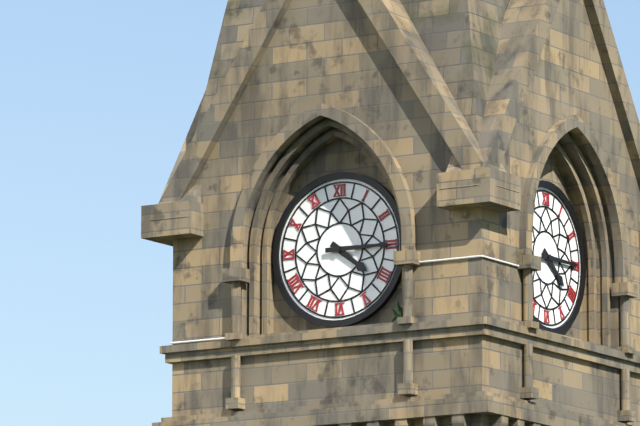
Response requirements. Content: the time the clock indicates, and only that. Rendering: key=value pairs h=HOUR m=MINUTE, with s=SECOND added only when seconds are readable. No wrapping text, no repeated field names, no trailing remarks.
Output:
h=4 m=15
